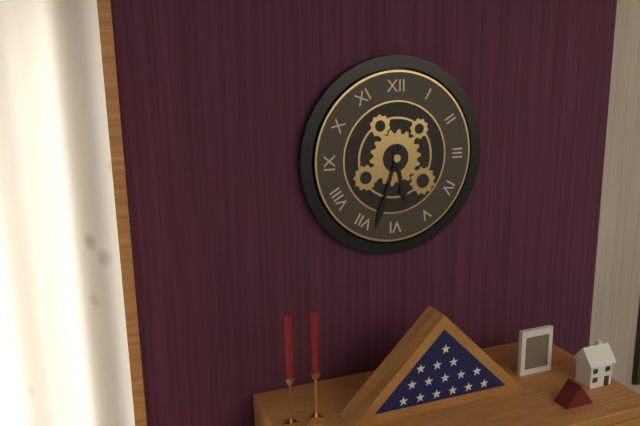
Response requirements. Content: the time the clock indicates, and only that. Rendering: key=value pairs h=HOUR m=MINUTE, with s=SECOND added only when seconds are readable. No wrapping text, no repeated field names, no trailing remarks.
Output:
h=5 m=33
